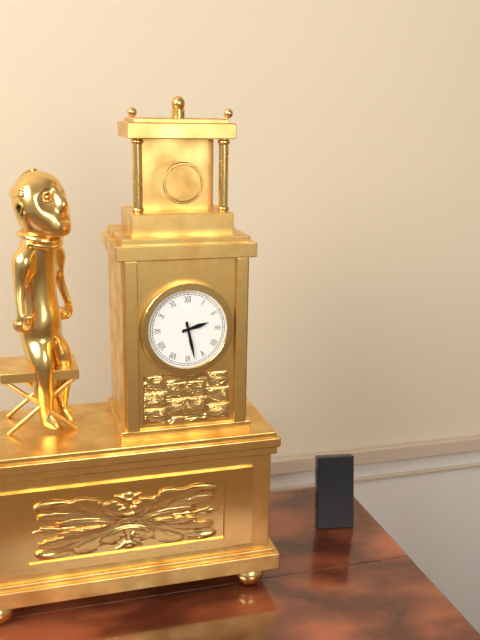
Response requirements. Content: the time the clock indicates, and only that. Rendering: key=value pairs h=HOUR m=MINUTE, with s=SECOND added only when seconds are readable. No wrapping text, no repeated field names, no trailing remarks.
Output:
h=2 m=28
